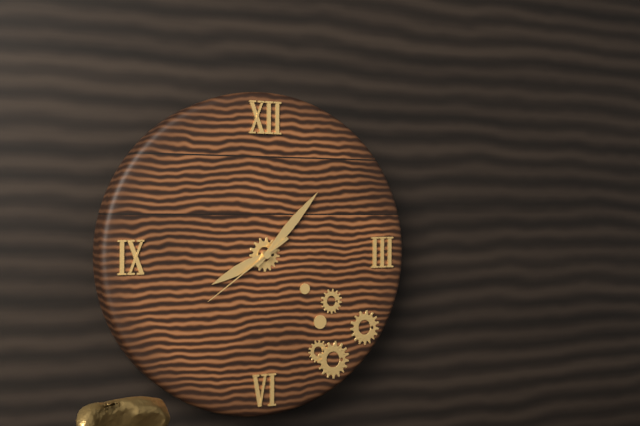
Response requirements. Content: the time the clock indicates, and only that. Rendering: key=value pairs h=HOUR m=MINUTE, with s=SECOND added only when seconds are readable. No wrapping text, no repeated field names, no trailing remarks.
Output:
h=8 m=7 s=39
